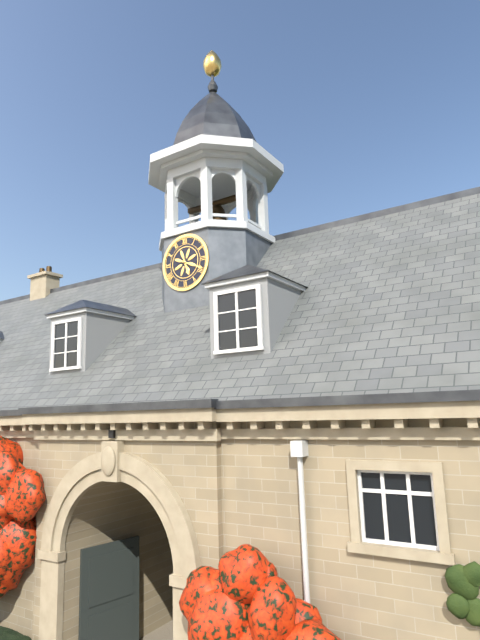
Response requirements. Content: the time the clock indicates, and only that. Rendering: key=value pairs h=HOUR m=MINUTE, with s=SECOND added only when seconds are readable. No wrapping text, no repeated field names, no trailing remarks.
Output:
h=5 m=19
